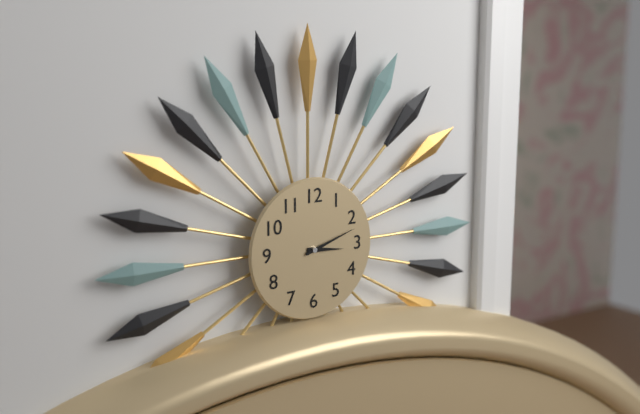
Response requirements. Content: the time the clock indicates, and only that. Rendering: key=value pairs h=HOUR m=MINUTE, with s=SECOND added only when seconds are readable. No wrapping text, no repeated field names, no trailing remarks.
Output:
h=3 m=12
